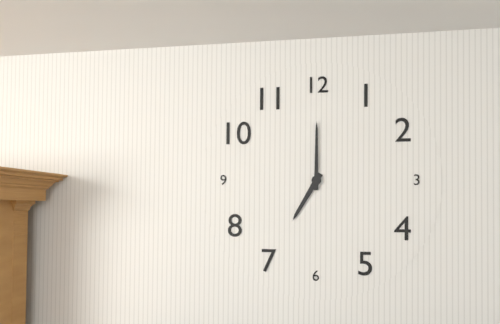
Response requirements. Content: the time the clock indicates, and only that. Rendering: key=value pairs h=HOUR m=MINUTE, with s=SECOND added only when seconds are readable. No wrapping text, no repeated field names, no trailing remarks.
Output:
h=7 m=0
